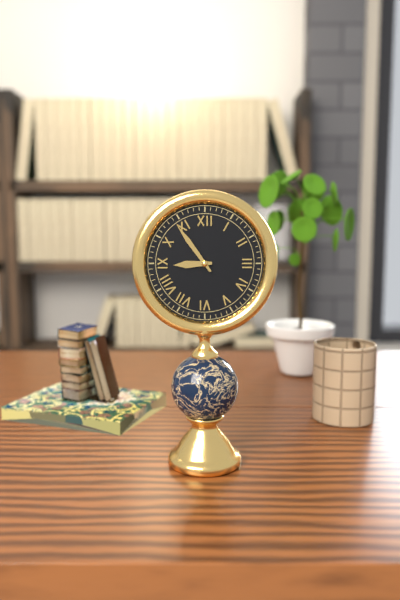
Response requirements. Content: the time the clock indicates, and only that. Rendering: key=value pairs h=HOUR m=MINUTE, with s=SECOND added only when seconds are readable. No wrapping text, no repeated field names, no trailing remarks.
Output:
h=8 m=54
